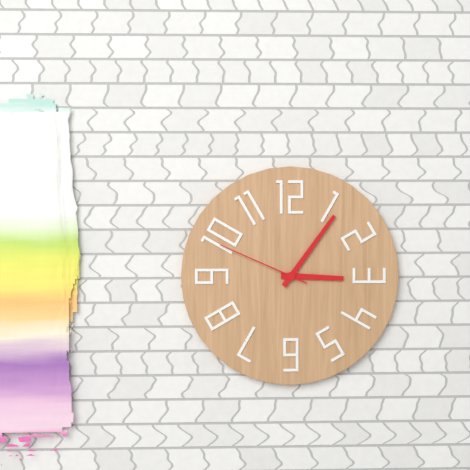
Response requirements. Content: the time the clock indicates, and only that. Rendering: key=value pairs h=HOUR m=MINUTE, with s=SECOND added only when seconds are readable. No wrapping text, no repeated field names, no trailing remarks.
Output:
h=3 m=6 s=49
